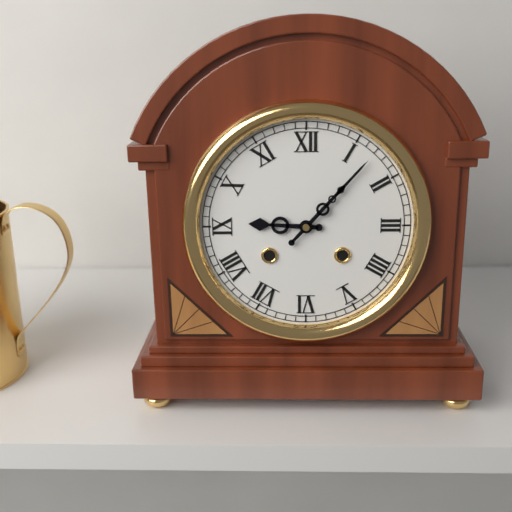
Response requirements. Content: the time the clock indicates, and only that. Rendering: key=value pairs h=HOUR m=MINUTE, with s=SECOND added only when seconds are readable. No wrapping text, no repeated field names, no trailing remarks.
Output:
h=9 m=7
